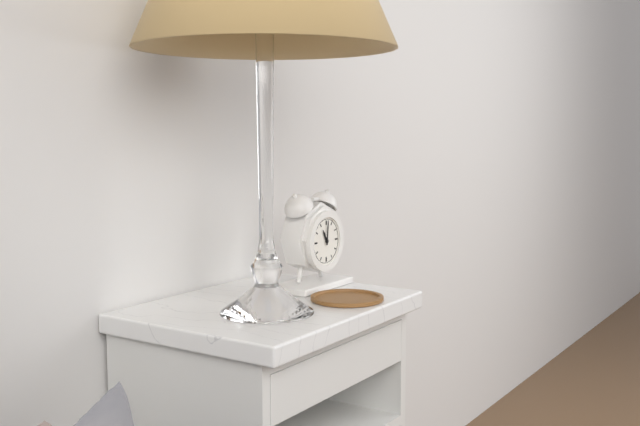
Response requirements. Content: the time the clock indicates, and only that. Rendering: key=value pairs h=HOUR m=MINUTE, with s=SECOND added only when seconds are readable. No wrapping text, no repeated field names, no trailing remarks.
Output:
h=11 m=1
